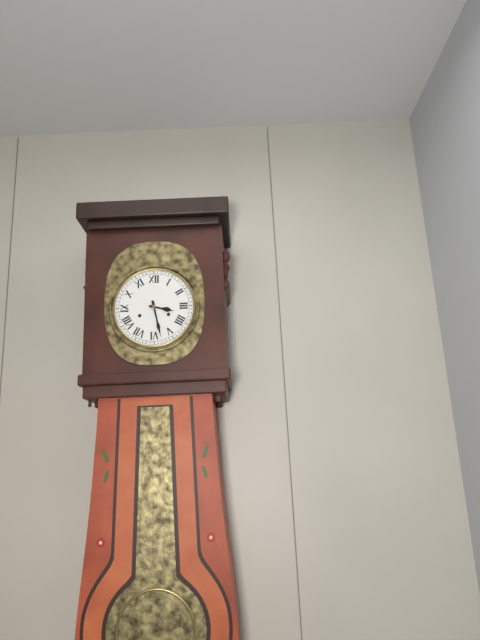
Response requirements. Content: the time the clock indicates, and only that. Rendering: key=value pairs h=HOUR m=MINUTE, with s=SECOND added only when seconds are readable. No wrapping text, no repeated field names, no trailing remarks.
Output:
h=3 m=28
